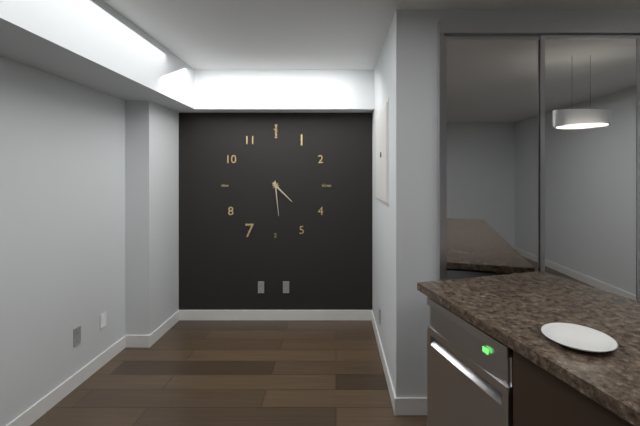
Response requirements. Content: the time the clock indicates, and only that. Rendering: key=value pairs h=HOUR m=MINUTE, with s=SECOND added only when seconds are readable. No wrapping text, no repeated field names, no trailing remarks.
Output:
h=4 m=29
